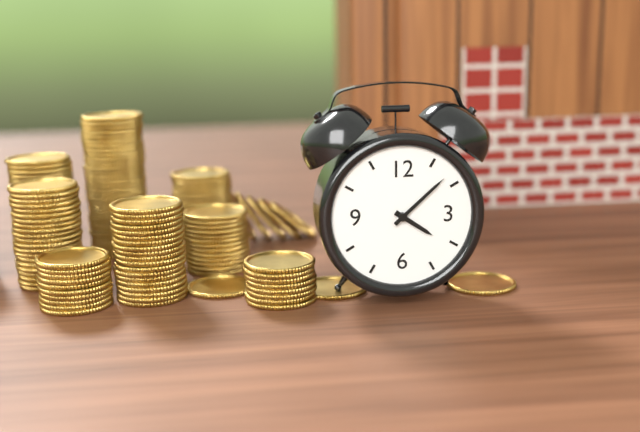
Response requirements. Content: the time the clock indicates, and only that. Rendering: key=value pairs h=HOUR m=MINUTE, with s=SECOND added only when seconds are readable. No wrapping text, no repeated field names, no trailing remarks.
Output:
h=4 m=8
